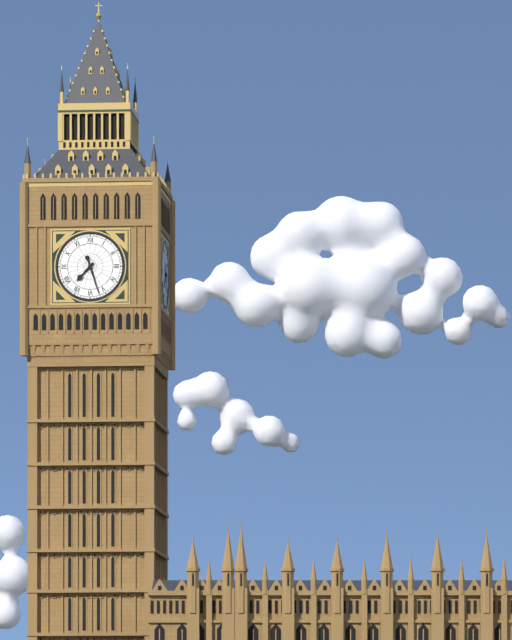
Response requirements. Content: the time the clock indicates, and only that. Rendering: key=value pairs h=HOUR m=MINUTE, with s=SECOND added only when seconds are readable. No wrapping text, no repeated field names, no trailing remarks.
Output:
h=7 m=27
